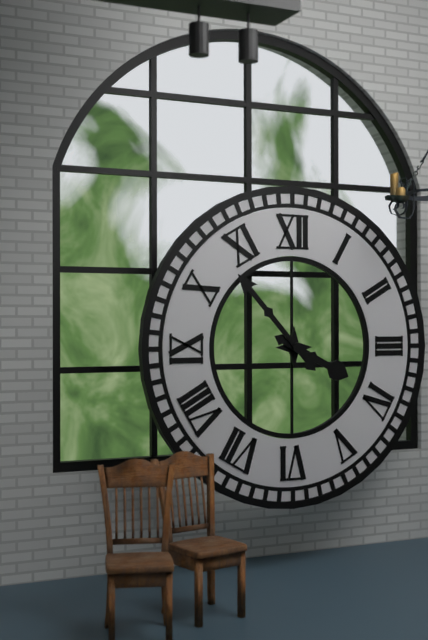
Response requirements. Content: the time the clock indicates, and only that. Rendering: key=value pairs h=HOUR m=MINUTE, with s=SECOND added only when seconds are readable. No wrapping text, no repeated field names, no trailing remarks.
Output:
h=3 m=53
